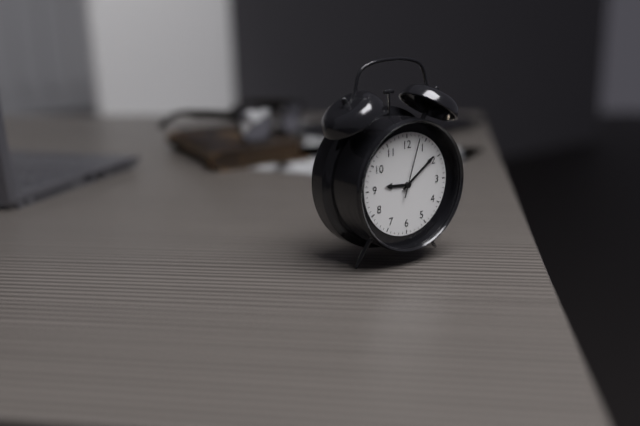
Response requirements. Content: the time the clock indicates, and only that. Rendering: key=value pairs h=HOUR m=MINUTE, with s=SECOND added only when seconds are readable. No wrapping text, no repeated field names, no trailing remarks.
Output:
h=9 m=9 s=3
